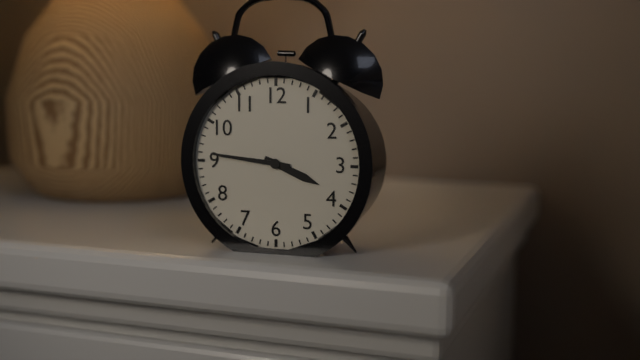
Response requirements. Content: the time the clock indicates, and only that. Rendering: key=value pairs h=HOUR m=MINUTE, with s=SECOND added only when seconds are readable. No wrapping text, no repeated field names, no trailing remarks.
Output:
h=3 m=46
